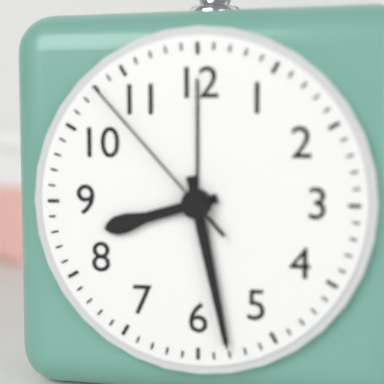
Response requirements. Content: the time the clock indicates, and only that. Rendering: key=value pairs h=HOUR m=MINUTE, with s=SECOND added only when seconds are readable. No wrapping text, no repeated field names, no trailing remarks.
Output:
h=8 m=28 s=53
